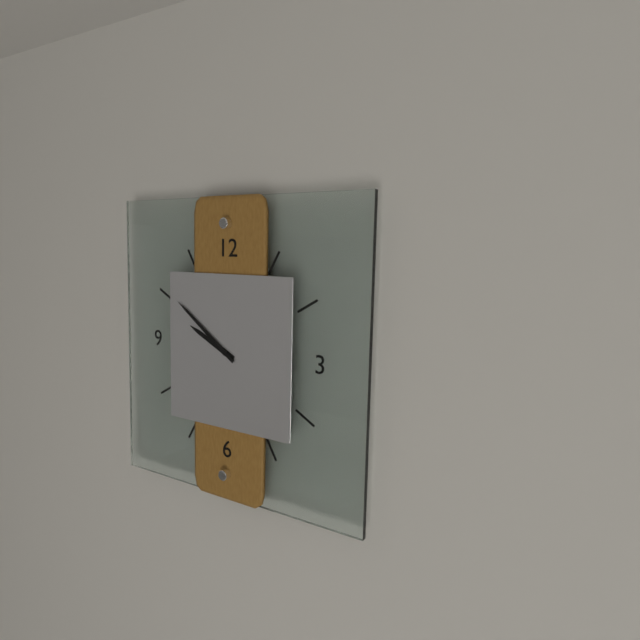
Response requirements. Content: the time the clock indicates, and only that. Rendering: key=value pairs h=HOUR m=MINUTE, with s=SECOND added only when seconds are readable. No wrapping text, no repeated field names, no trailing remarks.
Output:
h=9 m=51
